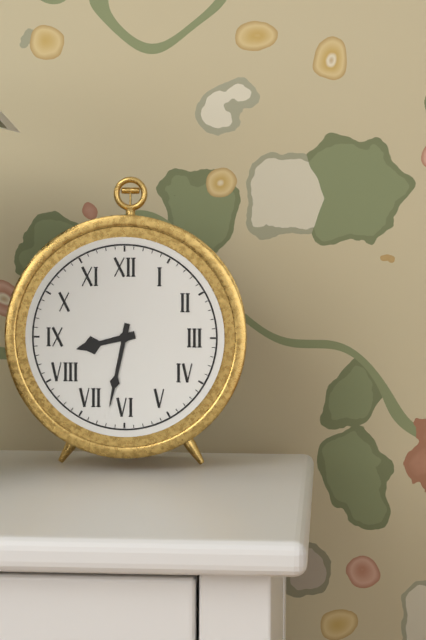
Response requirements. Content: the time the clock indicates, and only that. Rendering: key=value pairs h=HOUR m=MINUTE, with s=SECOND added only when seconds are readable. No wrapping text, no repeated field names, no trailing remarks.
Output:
h=8 m=32
